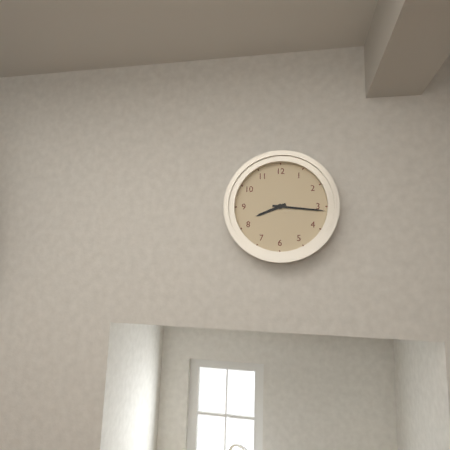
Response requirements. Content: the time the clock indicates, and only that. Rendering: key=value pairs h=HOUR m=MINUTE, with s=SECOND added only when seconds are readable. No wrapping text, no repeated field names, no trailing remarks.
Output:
h=8 m=16
